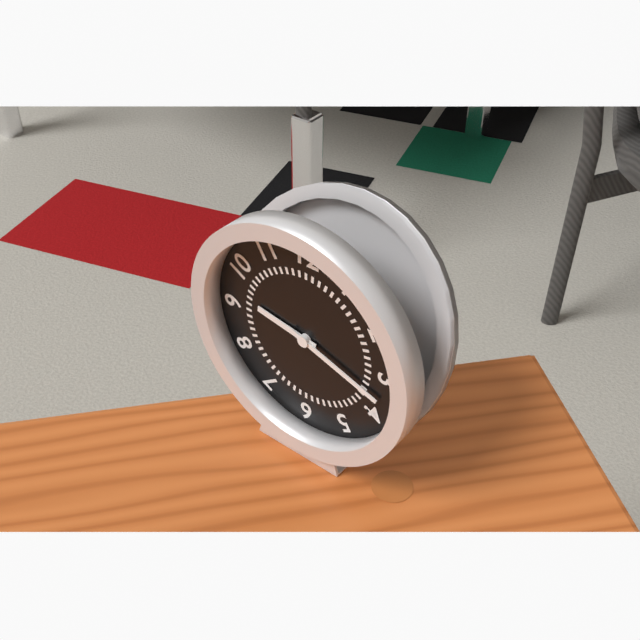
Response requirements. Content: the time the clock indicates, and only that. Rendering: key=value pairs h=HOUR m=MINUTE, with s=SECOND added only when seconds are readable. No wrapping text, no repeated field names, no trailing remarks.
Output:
h=9 m=18
